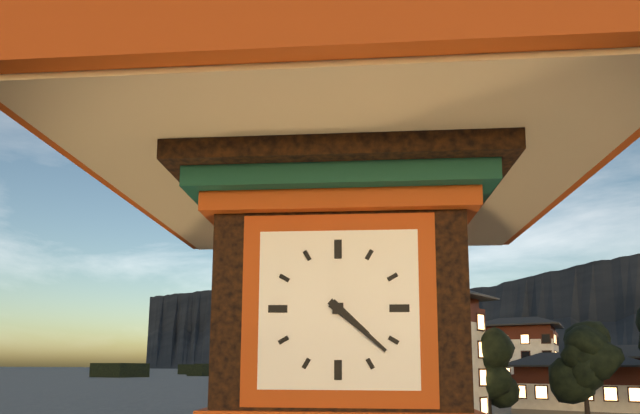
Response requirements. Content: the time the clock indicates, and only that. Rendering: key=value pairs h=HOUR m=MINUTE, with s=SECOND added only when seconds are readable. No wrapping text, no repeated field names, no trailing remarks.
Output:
h=4 m=22
